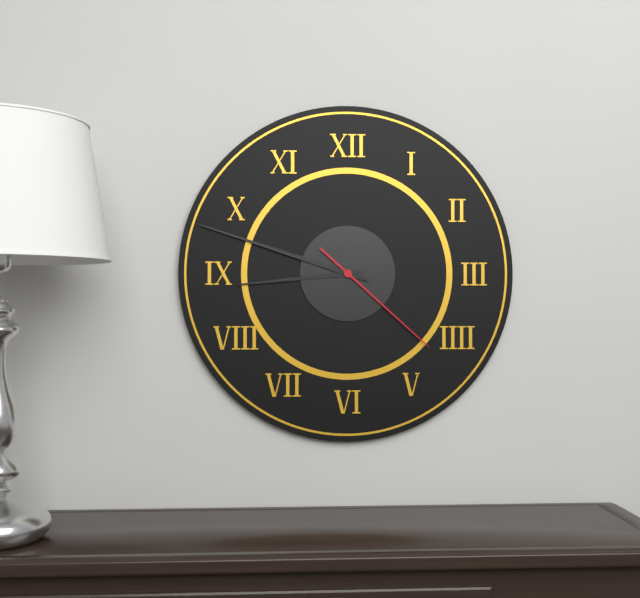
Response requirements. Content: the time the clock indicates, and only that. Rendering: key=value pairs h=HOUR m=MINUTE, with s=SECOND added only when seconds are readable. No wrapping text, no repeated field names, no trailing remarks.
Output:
h=8 m=48 s=22
